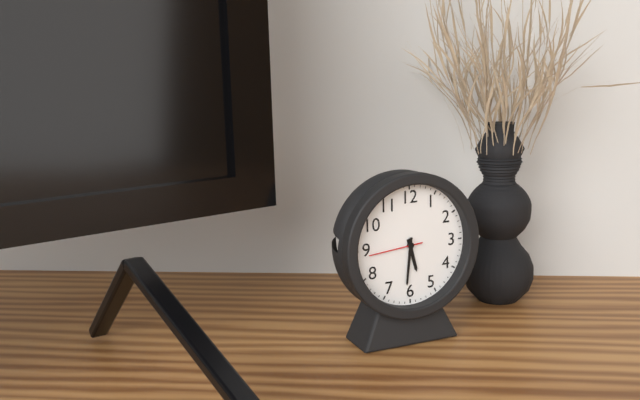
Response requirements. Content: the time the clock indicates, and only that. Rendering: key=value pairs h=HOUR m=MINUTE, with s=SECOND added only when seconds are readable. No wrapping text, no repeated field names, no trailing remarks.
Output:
h=5 m=31 s=44
